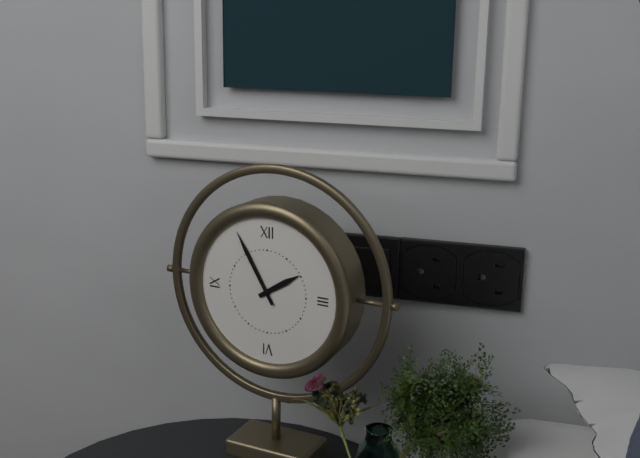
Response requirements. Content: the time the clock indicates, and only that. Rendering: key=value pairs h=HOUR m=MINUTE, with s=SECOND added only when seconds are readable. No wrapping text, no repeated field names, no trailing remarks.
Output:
h=1 m=55
